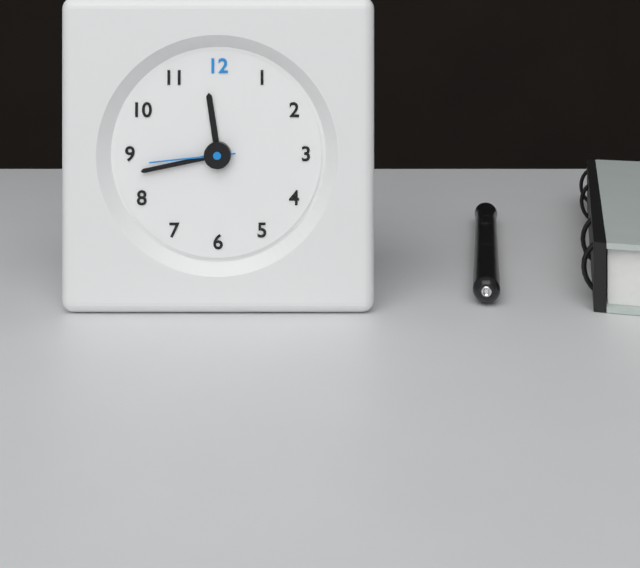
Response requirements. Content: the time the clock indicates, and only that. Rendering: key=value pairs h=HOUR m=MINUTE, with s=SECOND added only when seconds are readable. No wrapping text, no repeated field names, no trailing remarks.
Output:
h=11 m=43 s=44
